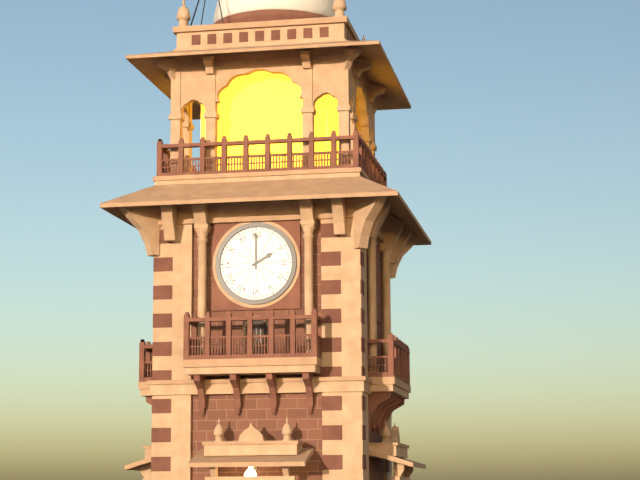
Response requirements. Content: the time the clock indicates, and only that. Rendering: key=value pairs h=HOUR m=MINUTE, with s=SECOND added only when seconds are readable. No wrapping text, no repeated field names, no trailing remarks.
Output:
h=2 m=0
